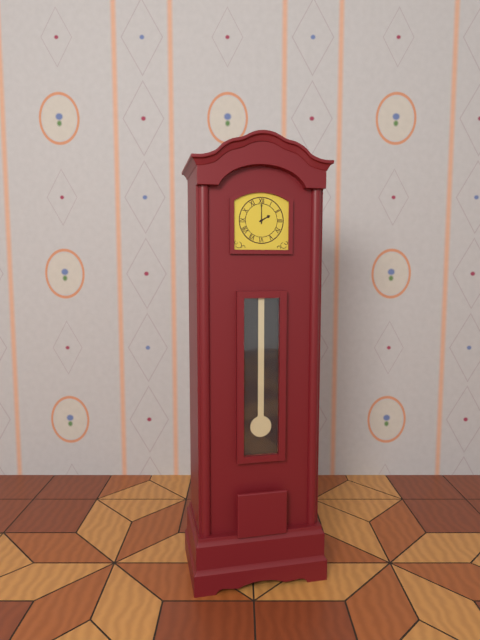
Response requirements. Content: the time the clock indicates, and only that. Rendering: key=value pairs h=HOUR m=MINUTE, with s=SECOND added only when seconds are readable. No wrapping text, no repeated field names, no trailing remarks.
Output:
h=2 m=0
